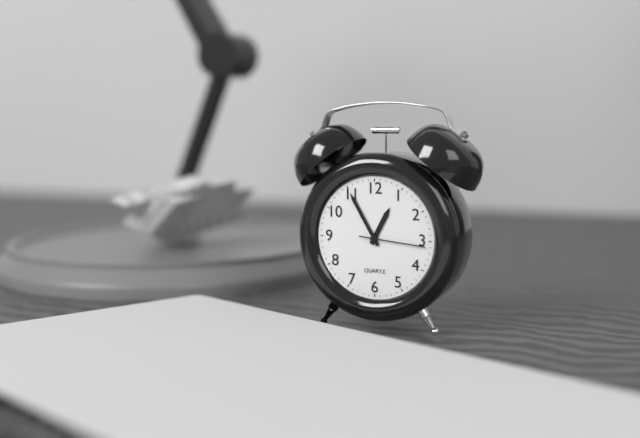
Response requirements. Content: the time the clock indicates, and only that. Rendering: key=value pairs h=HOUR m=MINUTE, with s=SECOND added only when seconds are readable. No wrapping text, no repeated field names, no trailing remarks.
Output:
h=12 m=55 s=16
